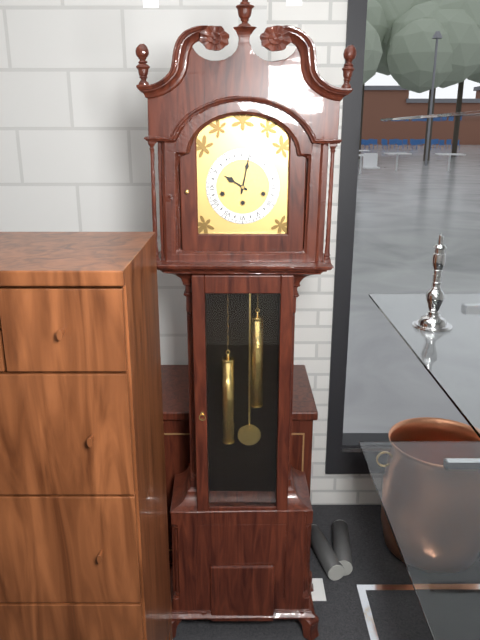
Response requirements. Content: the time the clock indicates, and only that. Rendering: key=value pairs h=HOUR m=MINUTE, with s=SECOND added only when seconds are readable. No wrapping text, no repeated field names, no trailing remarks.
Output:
h=10 m=2
